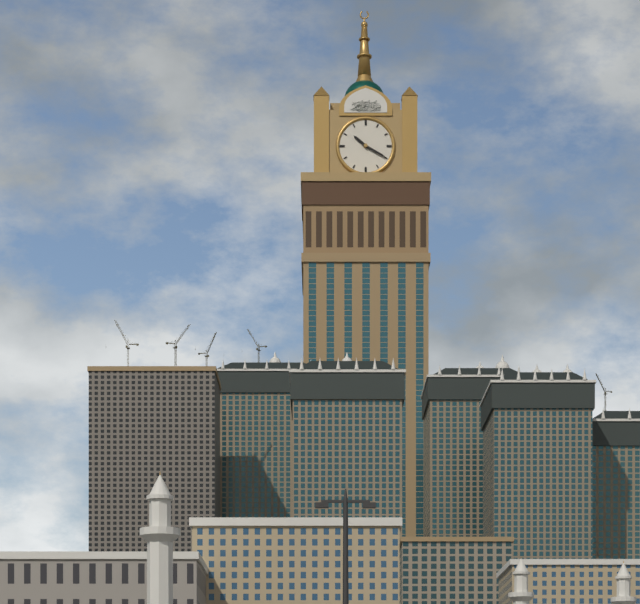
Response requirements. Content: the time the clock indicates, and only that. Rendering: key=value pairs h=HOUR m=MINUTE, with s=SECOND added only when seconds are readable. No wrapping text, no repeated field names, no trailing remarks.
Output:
h=10 m=20
